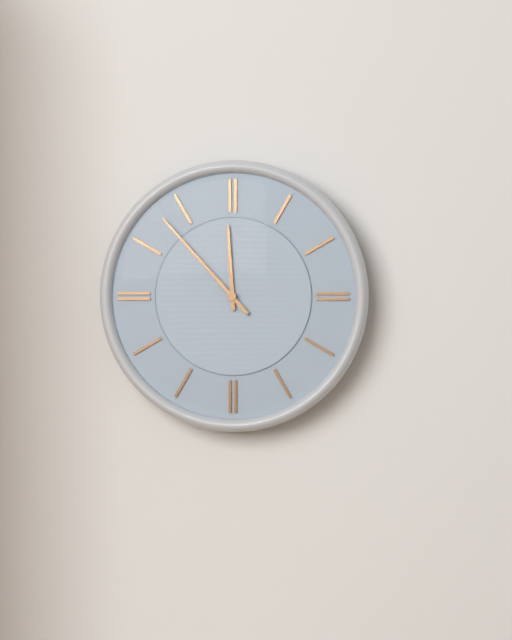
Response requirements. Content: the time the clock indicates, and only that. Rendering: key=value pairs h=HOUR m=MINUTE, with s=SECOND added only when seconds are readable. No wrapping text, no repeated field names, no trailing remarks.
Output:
h=11 m=53
